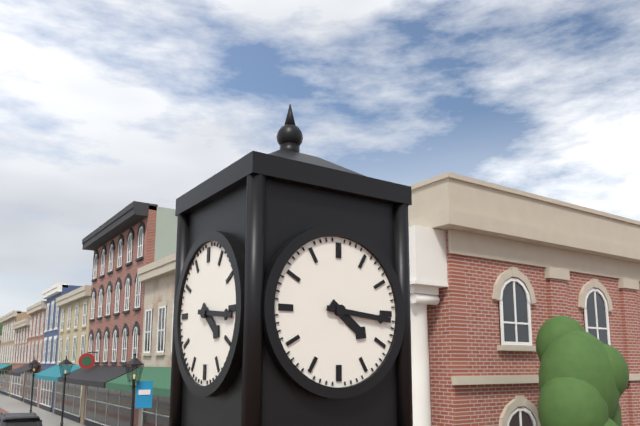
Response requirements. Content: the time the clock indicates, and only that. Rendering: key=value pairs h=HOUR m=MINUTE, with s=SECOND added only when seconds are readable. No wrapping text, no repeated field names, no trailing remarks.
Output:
h=4 m=16
